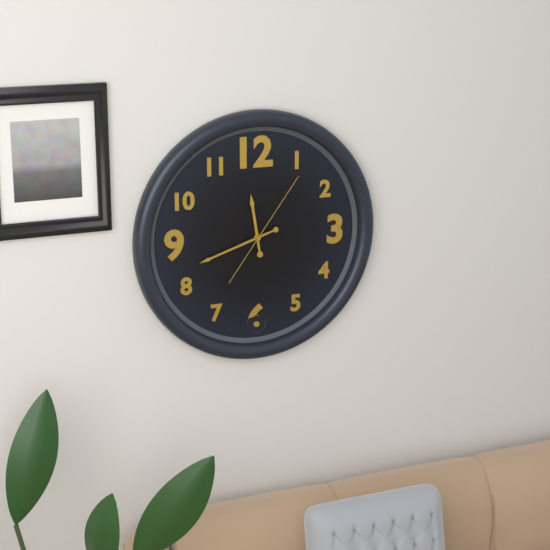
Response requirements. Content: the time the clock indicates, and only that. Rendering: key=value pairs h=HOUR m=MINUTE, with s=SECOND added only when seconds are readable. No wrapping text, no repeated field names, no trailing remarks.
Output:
h=11 m=42 s=6
